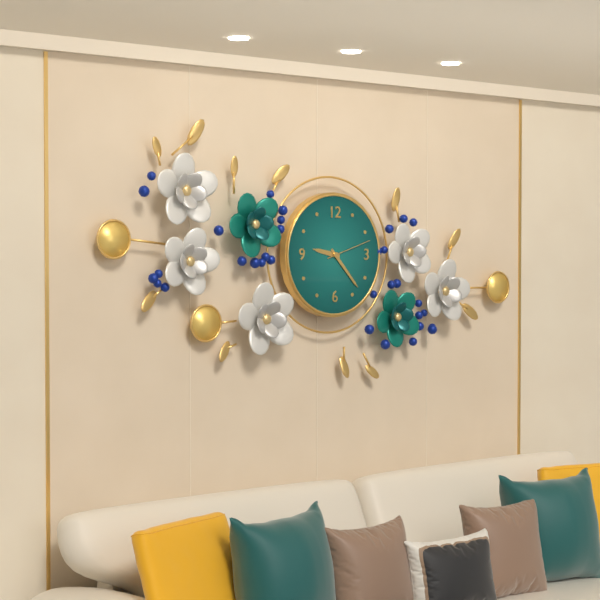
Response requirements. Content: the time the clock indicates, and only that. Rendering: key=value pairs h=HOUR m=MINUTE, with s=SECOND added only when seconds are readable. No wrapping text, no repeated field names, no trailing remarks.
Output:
h=9 m=23
